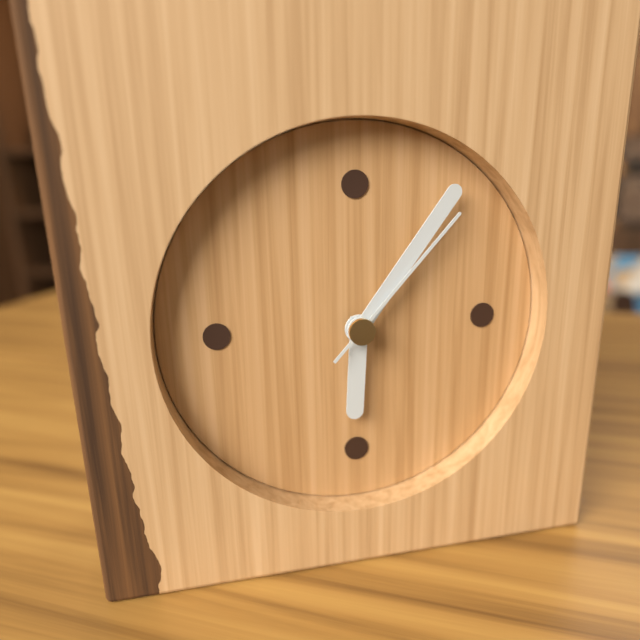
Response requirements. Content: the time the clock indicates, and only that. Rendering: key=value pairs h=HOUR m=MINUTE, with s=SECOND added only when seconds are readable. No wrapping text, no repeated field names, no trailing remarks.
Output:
h=6 m=6 s=7
